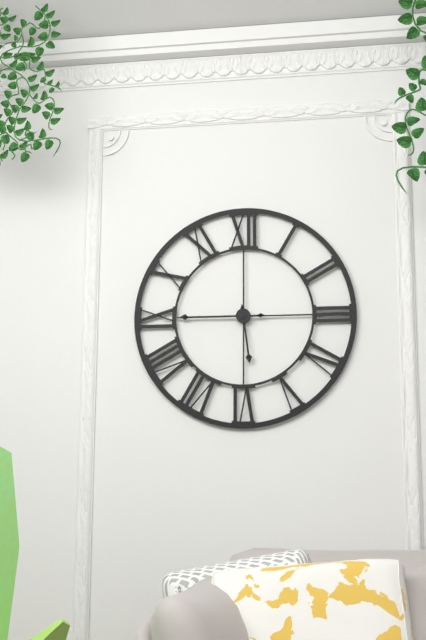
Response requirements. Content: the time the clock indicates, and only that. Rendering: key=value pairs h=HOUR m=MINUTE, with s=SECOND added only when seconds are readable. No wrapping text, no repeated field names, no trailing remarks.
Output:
h=5 m=45
